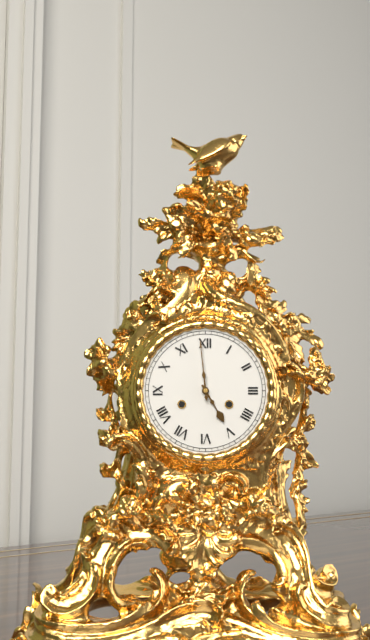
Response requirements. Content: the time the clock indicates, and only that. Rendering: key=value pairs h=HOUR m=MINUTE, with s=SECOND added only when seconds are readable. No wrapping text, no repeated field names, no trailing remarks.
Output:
h=4 m=59
